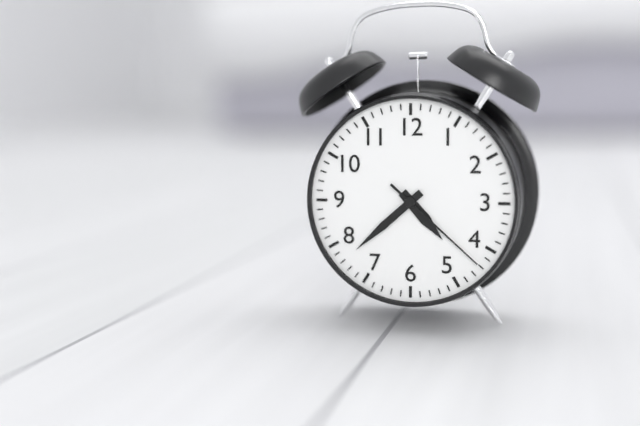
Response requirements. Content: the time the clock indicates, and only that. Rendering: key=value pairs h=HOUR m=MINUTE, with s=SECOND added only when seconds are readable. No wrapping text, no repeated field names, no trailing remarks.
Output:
h=4 m=38 s=22
